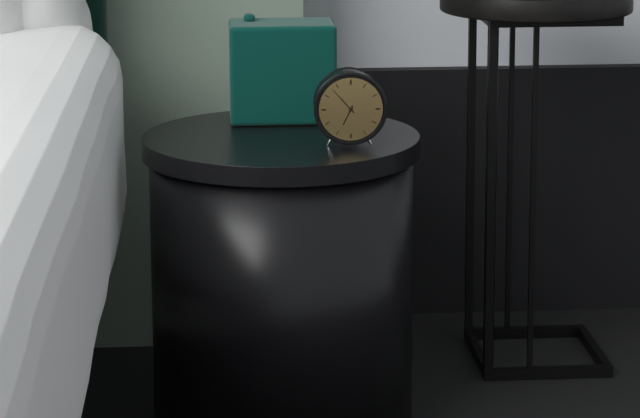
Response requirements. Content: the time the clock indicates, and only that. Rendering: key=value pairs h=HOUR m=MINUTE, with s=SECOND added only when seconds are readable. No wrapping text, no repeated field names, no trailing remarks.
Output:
h=6 m=53
